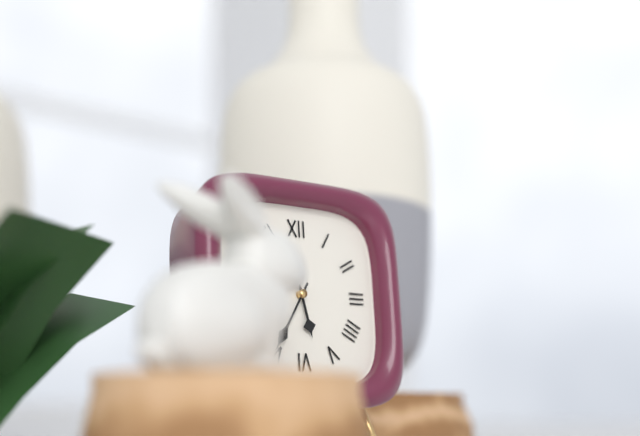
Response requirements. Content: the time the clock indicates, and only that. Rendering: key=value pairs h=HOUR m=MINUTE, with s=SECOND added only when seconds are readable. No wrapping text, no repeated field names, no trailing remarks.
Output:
h=5 m=35
